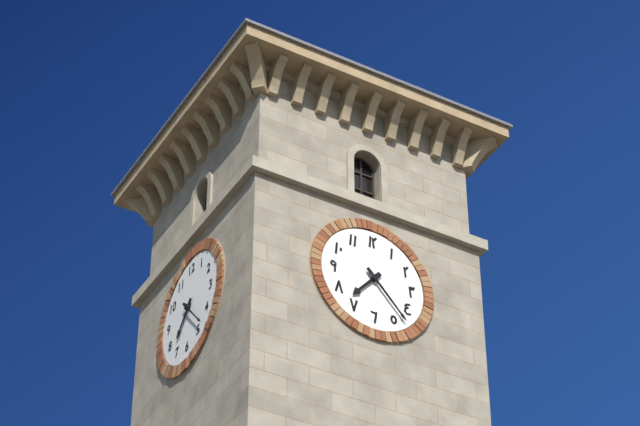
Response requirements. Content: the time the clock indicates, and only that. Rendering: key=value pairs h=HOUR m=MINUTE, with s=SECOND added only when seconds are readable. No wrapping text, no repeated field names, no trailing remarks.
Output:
h=7 m=23
